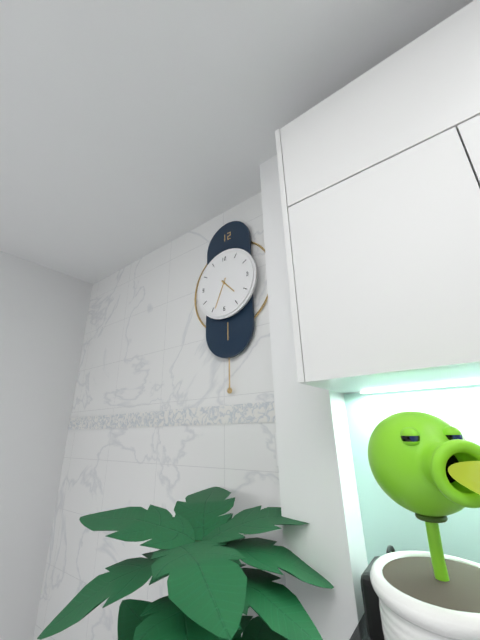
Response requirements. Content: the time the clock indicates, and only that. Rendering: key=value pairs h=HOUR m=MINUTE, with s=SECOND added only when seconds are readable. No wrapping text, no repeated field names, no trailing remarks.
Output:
h=4 m=34
